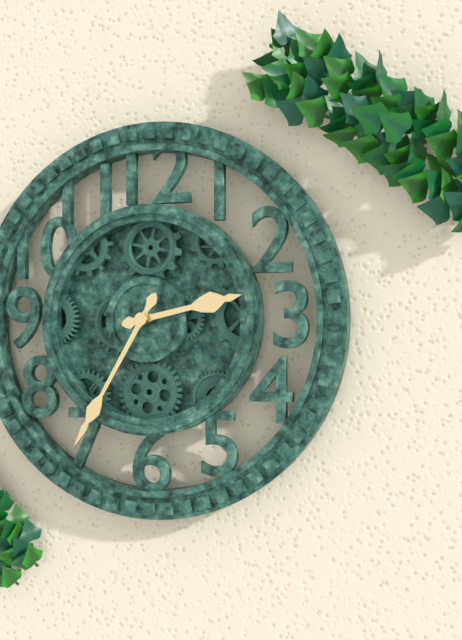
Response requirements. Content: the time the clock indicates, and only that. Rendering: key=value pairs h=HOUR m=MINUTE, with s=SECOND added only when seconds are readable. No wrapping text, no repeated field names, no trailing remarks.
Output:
h=2 m=35
